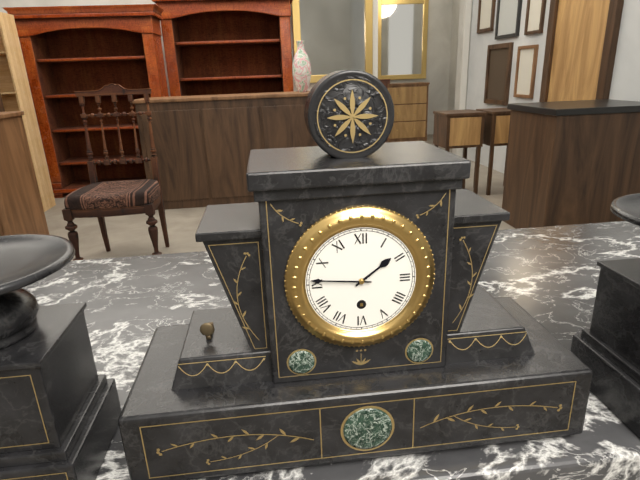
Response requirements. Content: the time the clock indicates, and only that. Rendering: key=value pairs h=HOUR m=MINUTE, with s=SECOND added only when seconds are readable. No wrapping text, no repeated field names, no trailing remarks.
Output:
h=1 m=46
